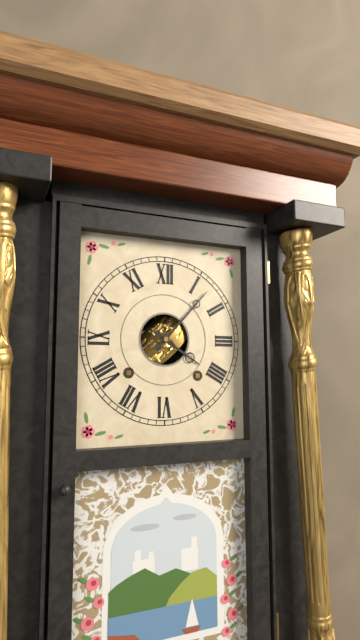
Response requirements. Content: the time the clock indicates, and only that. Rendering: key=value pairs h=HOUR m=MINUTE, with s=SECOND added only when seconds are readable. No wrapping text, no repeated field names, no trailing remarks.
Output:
h=4 m=7
